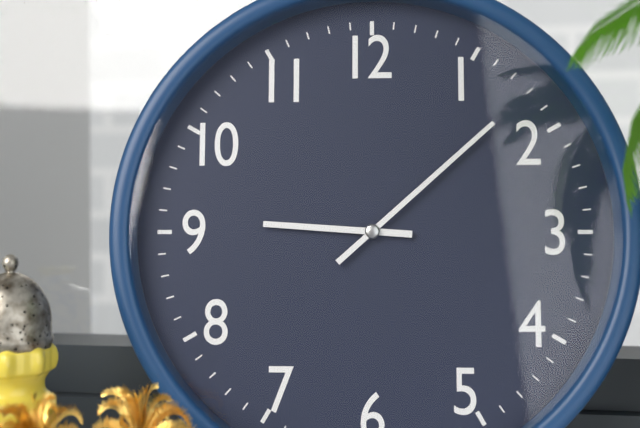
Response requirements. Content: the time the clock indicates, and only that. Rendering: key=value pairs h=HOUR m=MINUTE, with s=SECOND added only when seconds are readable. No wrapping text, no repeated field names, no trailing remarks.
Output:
h=9 m=8
